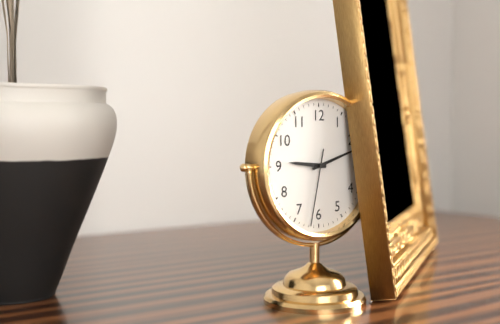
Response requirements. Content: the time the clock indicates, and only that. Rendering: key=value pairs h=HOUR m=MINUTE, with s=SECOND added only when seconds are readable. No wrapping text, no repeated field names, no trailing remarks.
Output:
h=9 m=12 s=32
